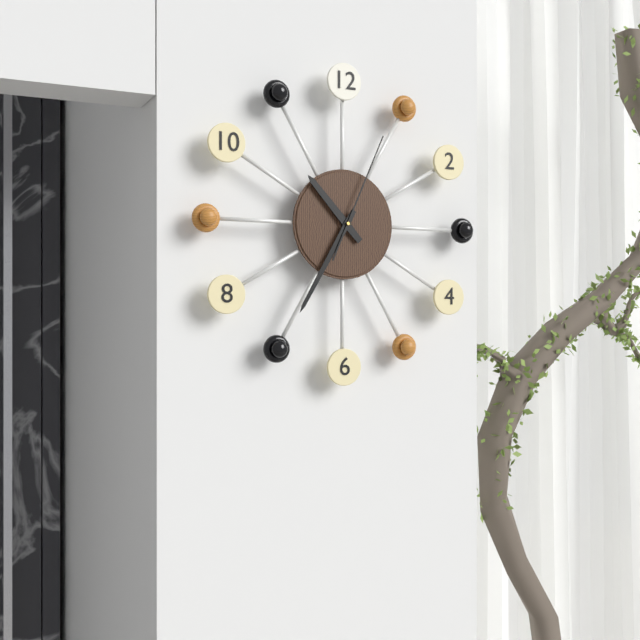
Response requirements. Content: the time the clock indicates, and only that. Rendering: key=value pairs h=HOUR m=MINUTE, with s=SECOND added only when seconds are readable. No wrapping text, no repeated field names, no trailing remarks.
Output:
h=10 m=35 s=4
